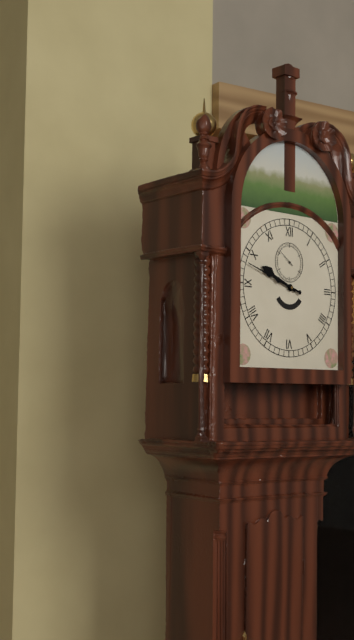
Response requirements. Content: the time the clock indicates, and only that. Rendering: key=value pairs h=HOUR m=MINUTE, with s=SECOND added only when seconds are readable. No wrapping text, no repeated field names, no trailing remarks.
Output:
h=9 m=48
